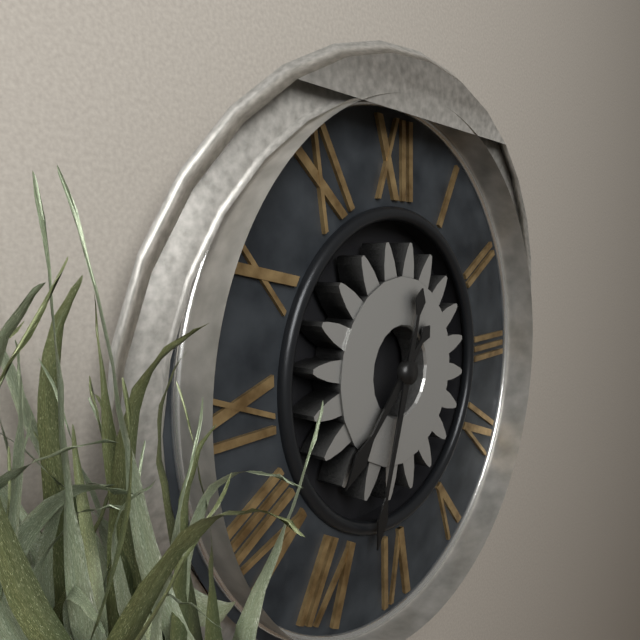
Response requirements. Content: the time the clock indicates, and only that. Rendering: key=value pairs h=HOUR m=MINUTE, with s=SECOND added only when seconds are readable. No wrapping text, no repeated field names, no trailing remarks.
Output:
h=7 m=33
